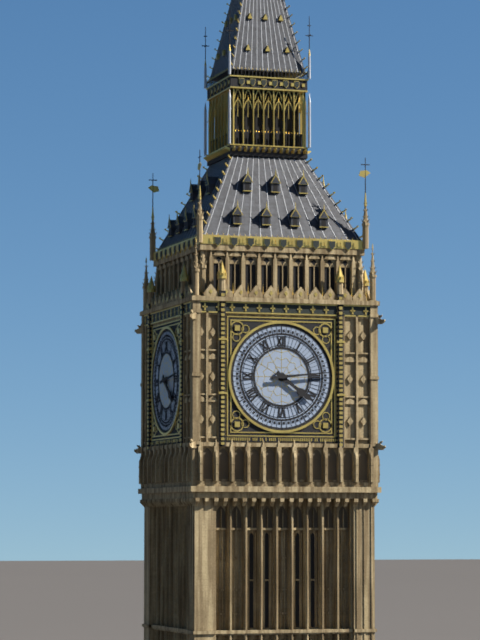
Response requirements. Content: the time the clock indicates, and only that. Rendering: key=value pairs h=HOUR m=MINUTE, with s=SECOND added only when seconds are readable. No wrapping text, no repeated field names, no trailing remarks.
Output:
h=4 m=14
